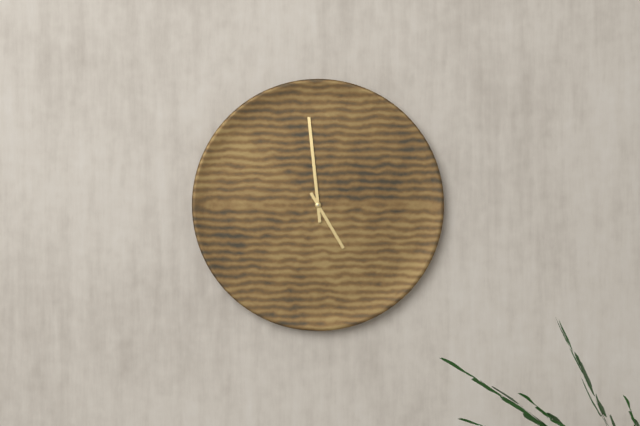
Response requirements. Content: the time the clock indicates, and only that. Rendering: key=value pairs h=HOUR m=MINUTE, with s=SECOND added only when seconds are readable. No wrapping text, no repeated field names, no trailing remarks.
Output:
h=4 m=59
